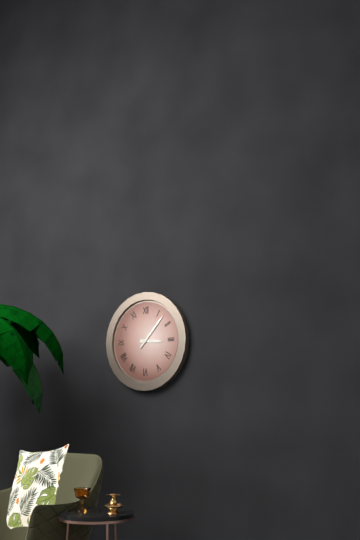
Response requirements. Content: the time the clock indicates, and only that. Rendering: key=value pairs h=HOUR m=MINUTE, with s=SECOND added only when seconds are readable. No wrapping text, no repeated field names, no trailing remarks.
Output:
h=3 m=7
